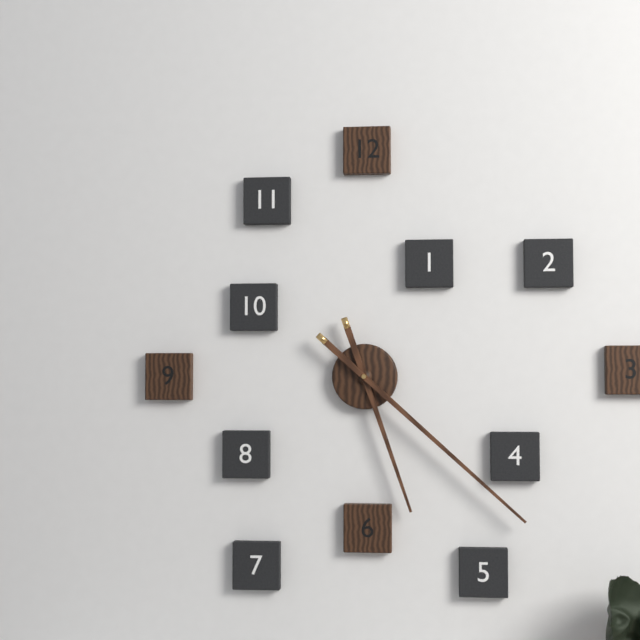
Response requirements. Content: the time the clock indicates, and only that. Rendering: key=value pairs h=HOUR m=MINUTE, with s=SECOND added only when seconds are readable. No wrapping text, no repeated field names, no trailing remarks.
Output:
h=5 m=22
